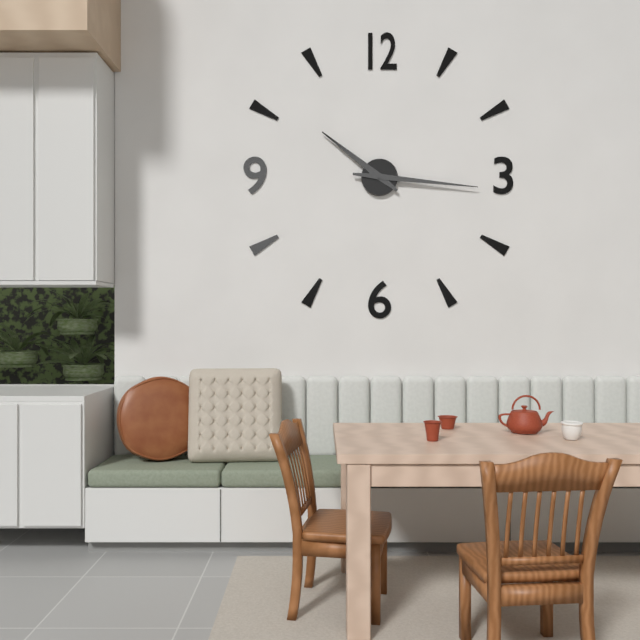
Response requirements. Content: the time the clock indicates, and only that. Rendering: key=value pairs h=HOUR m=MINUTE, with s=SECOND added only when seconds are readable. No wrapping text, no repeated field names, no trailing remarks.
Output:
h=10 m=16
